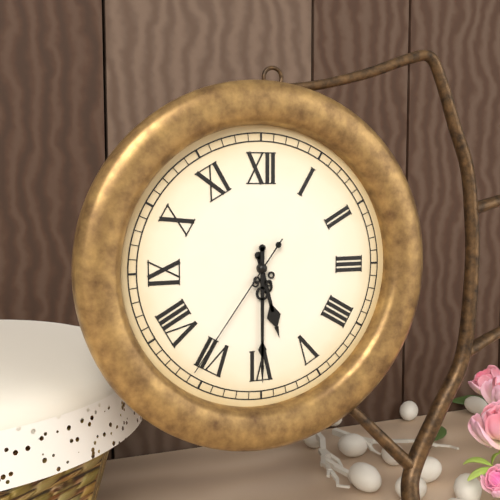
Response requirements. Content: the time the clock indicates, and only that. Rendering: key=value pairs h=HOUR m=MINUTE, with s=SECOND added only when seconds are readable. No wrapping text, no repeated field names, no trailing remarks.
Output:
h=5 m=30 s=36
